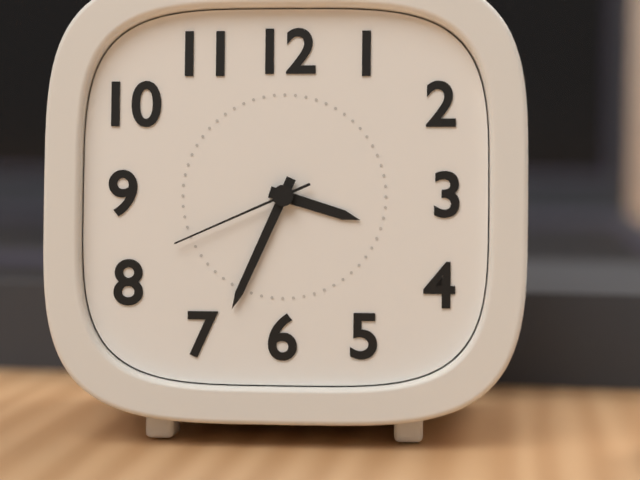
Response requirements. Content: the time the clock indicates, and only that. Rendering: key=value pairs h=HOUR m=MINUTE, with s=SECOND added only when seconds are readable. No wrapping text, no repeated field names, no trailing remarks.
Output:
h=3 m=34 s=41
